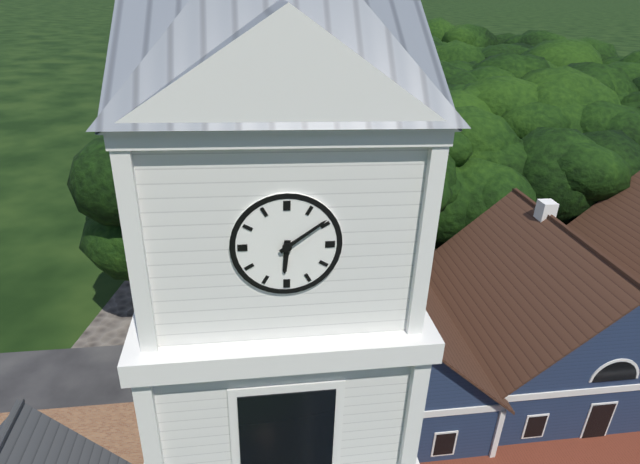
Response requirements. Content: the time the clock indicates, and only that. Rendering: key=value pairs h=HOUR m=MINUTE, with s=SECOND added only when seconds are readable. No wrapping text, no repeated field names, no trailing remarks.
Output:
h=6 m=9
